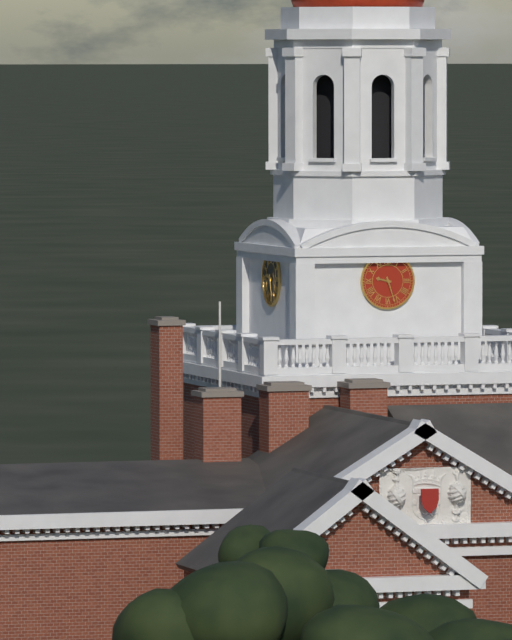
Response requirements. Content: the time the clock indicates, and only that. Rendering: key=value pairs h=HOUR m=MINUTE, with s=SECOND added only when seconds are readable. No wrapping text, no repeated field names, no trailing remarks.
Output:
h=9 m=27
